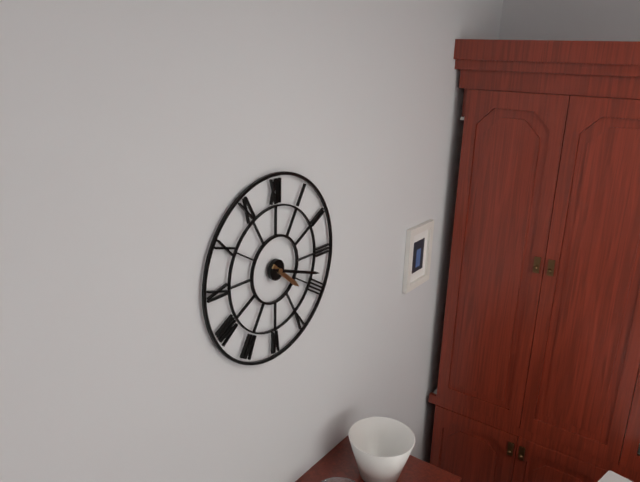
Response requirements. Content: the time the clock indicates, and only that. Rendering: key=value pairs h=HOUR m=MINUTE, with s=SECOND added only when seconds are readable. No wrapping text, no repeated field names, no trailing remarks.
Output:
h=4 m=18
